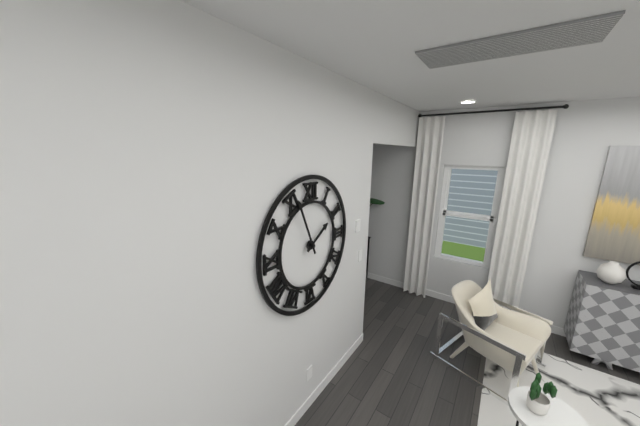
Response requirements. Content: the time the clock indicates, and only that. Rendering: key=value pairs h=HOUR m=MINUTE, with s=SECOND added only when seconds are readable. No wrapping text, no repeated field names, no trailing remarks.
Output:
h=1 m=56
